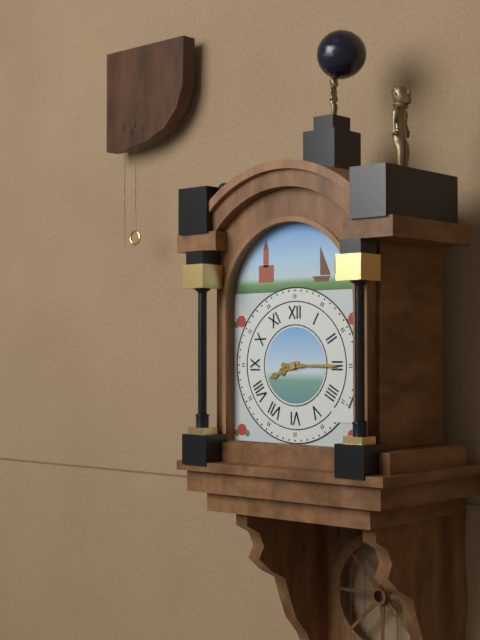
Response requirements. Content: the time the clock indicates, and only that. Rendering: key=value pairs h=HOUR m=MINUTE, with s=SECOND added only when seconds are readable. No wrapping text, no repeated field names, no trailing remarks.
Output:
h=8 m=15
